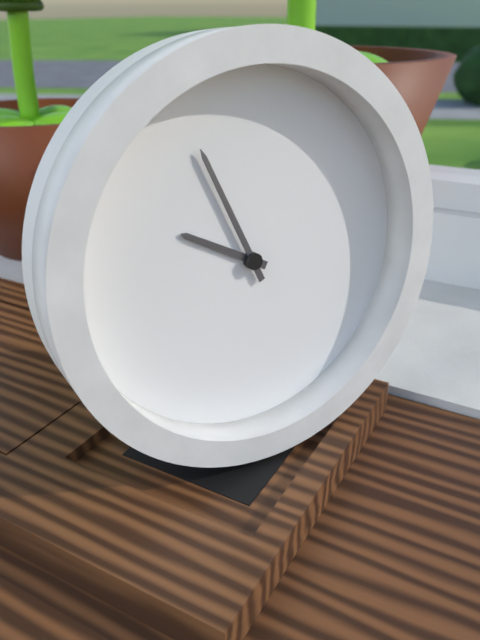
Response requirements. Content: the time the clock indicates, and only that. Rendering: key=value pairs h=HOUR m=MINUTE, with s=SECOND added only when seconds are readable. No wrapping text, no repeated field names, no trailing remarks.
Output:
h=9 m=56
